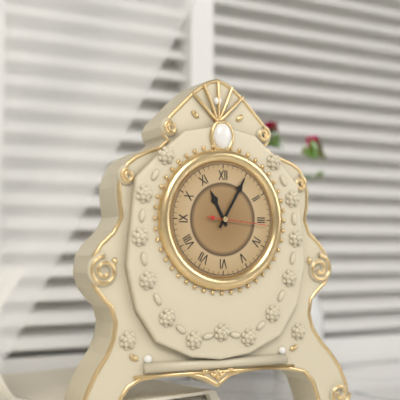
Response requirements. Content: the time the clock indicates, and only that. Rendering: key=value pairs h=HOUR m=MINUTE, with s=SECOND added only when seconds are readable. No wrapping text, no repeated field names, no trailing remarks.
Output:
h=11 m=5 s=16
